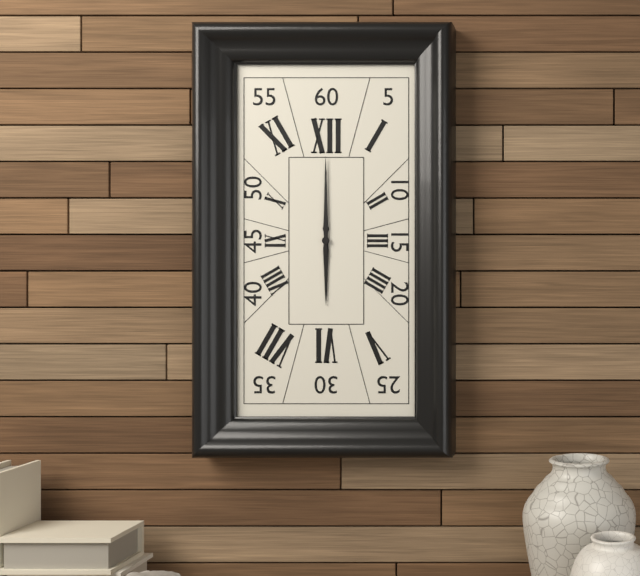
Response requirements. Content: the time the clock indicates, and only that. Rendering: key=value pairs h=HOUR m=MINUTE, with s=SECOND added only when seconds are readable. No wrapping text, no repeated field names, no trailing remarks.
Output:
h=6 m=0
